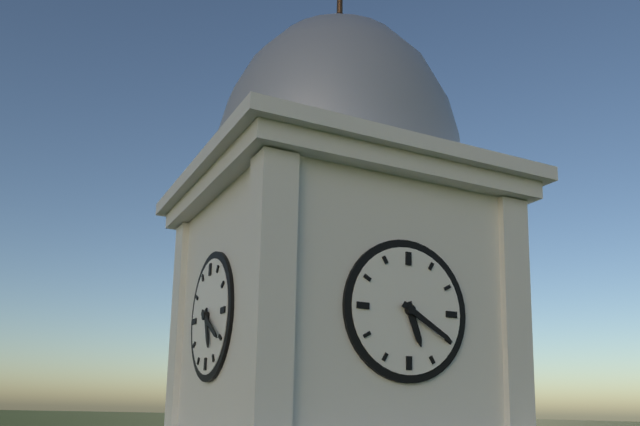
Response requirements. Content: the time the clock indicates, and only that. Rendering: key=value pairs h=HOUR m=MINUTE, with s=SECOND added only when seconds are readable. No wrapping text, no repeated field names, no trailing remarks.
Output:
h=5 m=20
